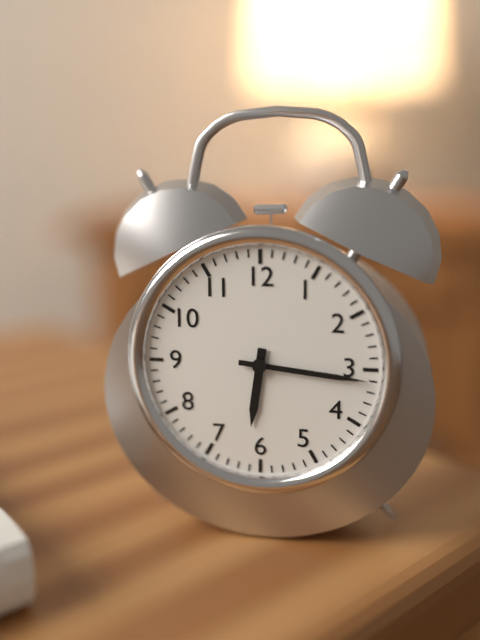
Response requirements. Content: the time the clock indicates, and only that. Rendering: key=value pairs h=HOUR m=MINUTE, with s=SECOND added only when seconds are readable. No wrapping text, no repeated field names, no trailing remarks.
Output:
h=6 m=16
